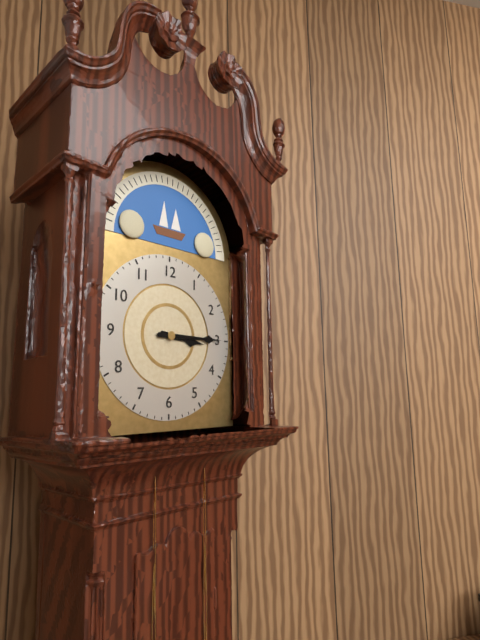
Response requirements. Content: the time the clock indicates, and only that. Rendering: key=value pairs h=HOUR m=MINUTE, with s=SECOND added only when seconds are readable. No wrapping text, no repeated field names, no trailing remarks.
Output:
h=3 m=15
